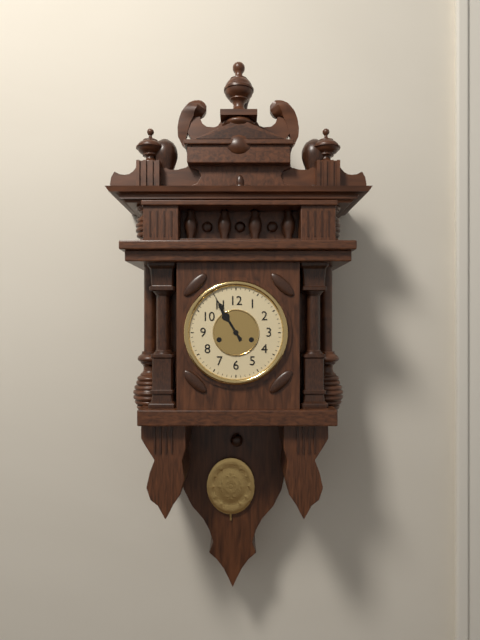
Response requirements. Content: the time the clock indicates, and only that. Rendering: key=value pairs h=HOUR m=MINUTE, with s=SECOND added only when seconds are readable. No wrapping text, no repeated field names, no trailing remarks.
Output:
h=10 m=55
